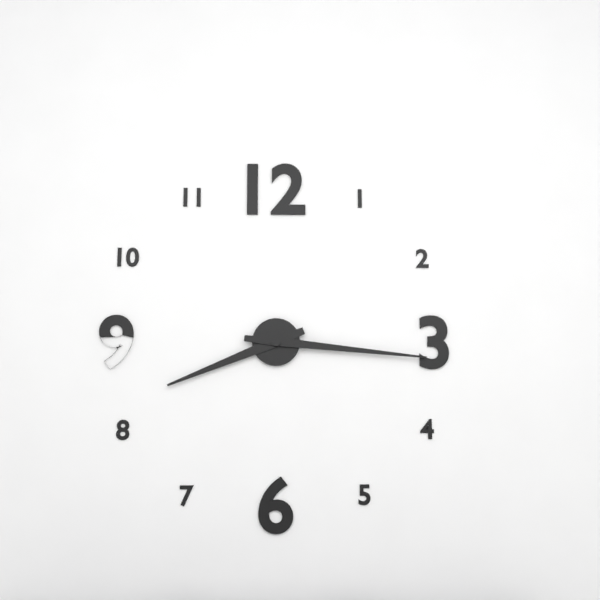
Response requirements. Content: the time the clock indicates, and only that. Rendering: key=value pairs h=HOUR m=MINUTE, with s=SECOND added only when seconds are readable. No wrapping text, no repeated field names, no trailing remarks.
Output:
h=8 m=16
